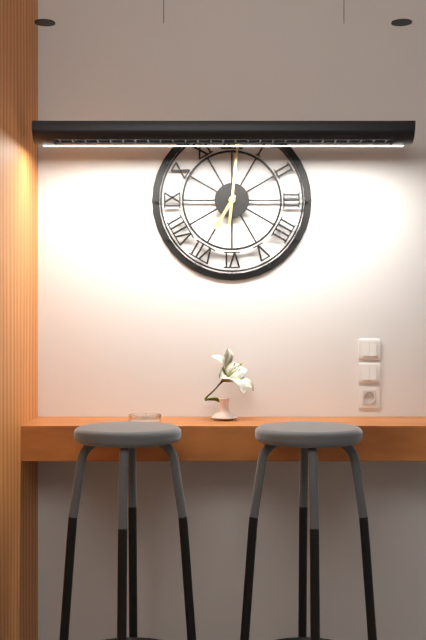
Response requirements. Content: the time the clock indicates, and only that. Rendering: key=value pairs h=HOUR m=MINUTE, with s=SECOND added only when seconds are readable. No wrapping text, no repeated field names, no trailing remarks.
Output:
h=7 m=1
